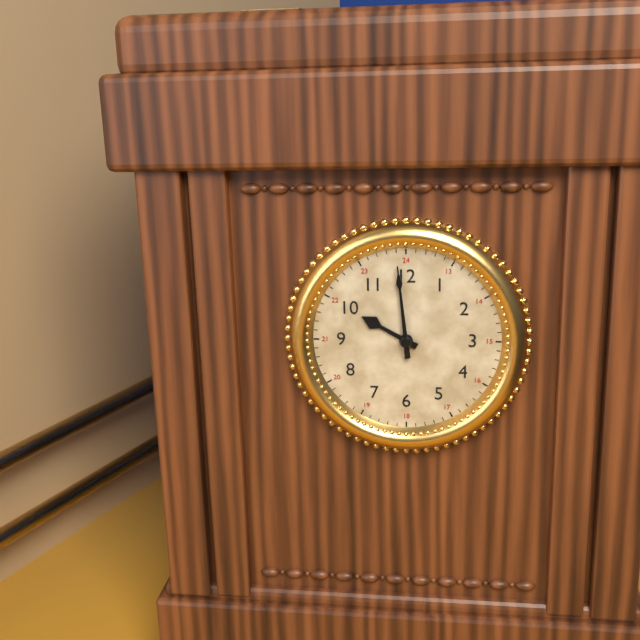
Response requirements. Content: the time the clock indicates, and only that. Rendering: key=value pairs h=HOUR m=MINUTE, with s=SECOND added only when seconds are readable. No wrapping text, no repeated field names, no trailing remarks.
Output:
h=9 m=59
